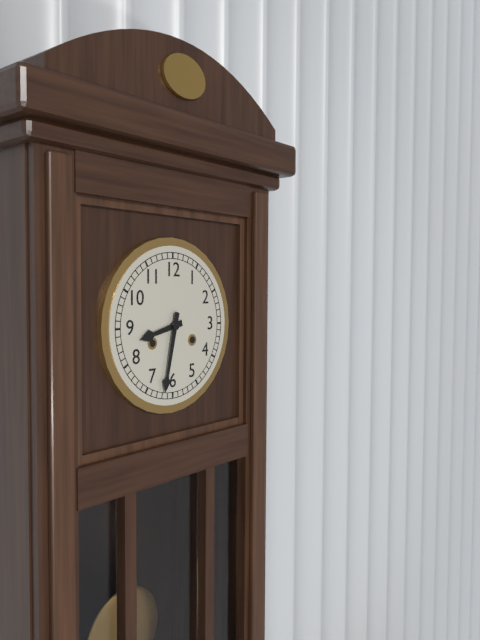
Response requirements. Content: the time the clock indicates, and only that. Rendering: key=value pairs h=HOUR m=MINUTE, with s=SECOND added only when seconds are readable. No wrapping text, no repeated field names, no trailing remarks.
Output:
h=8 m=32
